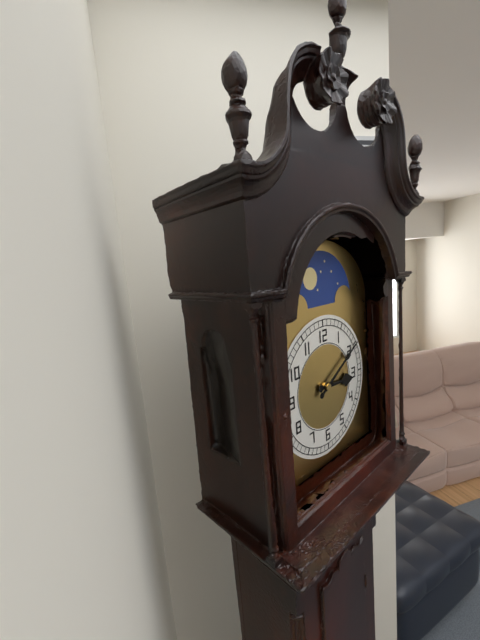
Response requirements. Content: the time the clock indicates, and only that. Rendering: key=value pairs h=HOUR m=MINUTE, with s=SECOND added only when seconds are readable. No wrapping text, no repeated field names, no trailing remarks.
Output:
h=3 m=10
